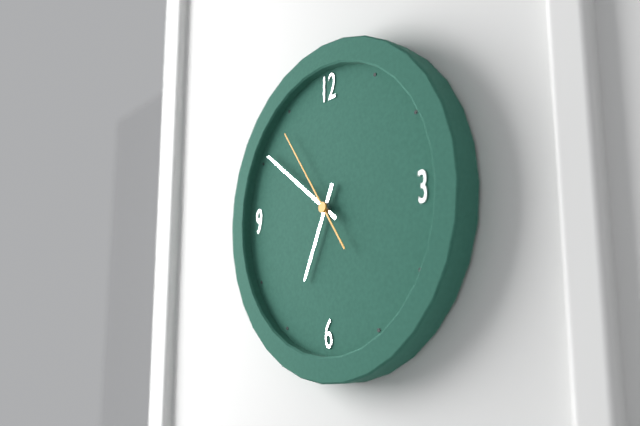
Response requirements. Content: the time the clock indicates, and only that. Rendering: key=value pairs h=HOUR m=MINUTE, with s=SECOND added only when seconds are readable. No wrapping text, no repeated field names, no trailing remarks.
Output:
h=6 m=51 s=54
